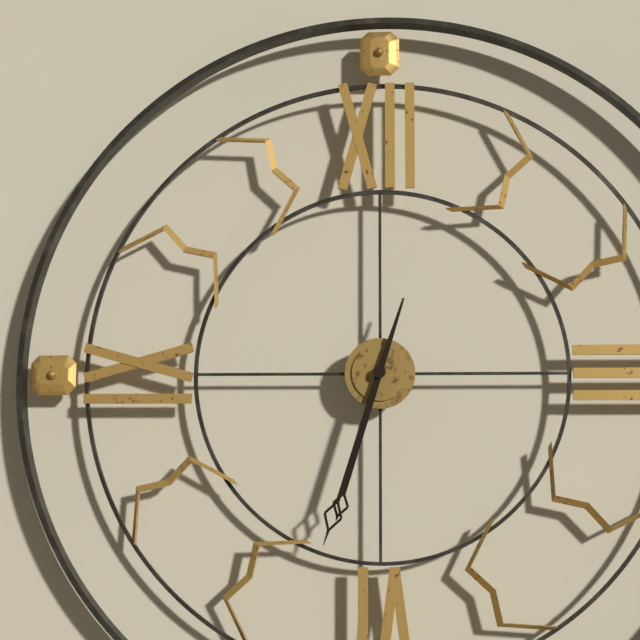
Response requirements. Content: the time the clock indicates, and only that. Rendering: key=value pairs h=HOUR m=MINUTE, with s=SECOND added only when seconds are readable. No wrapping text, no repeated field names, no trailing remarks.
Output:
h=6 m=33
